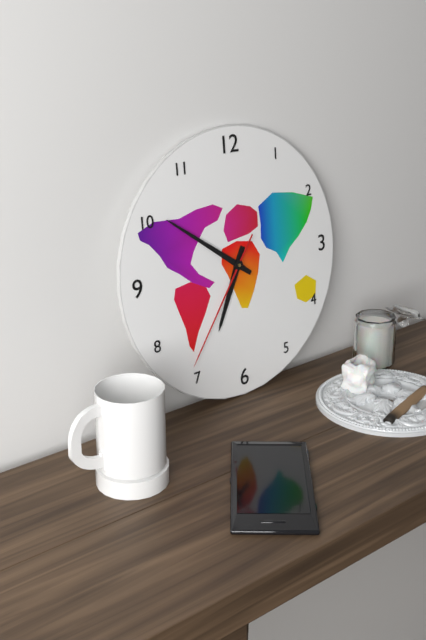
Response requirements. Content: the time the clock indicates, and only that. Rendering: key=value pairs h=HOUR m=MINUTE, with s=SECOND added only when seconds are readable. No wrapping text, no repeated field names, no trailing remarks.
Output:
h=6 m=51 s=36
